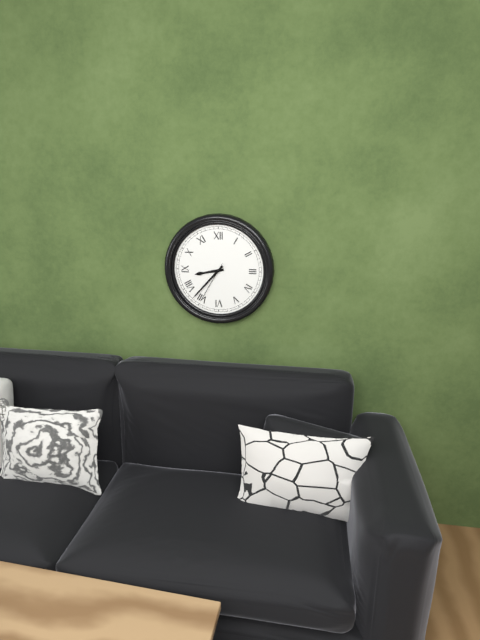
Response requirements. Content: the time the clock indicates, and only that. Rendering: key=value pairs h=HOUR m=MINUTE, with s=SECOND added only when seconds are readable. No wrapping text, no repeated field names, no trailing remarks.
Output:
h=8 m=37
